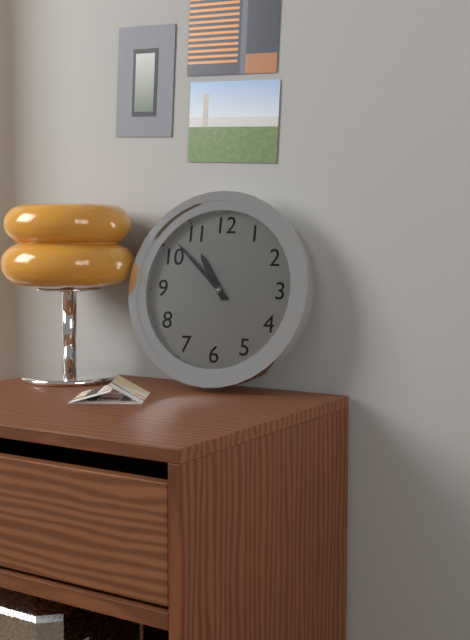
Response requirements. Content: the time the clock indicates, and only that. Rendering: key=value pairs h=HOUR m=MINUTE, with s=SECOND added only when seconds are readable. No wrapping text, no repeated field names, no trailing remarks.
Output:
h=10 m=52
